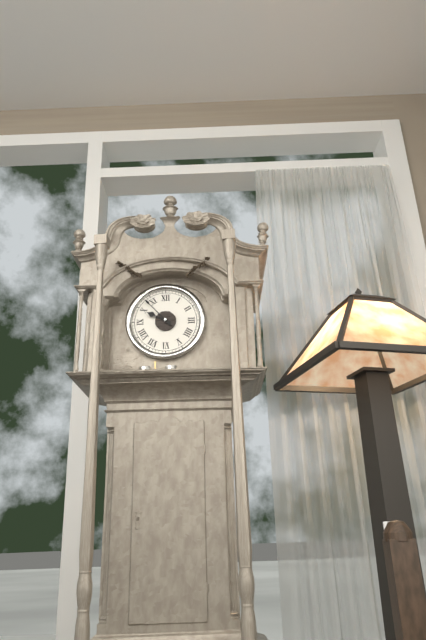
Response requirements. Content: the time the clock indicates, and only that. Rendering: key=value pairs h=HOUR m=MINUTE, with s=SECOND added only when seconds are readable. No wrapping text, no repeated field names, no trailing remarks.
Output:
h=9 m=53
